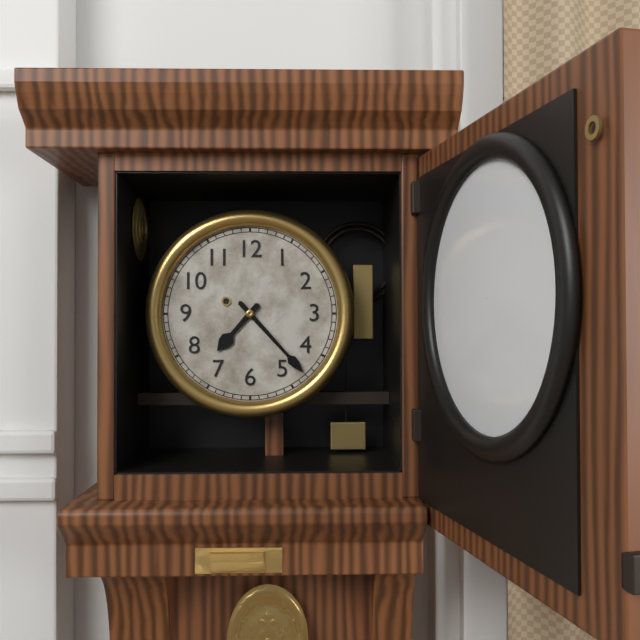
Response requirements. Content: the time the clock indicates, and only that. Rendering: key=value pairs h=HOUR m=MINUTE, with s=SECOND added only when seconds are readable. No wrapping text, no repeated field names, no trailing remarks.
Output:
h=7 m=23
